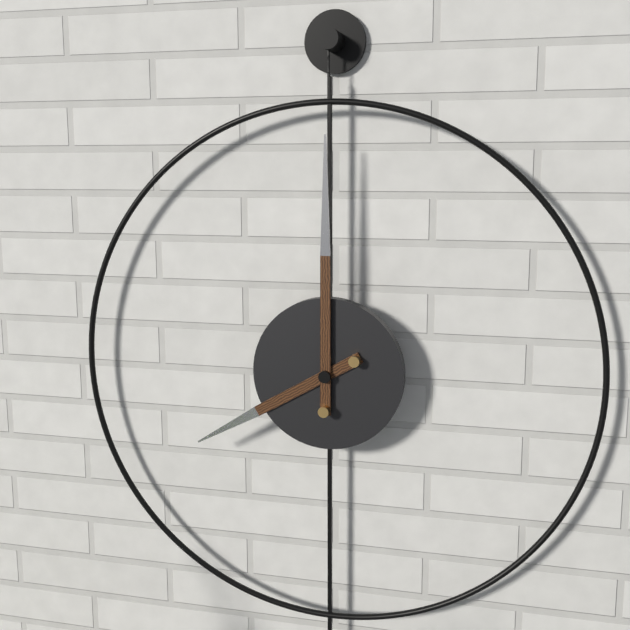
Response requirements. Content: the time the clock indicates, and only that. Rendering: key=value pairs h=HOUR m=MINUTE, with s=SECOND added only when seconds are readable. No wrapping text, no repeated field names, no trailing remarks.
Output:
h=8 m=0
